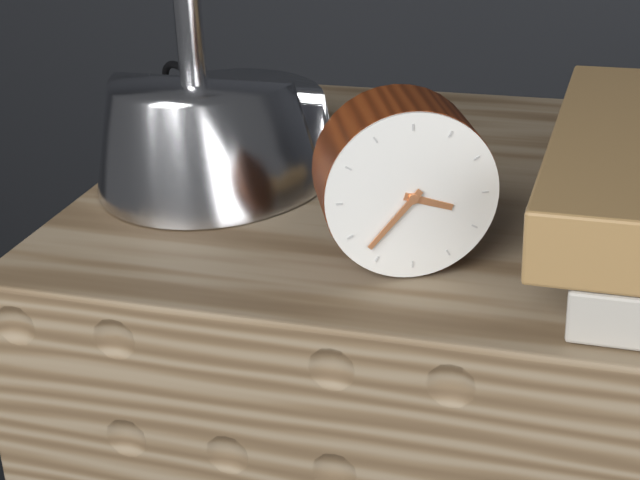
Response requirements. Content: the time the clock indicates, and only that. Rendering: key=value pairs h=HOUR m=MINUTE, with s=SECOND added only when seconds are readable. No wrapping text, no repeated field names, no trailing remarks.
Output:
h=3 m=37
